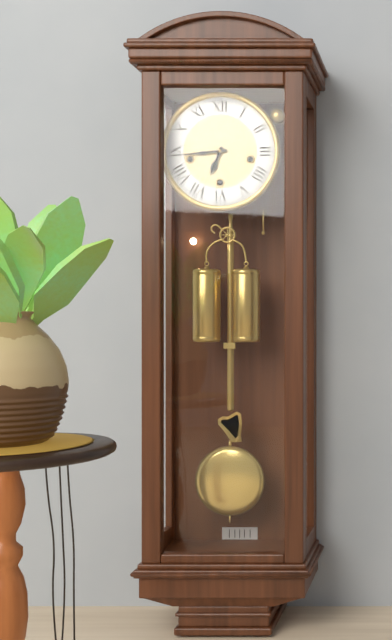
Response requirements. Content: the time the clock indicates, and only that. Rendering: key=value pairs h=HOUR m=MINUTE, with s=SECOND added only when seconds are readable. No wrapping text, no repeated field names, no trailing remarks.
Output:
h=6 m=44
